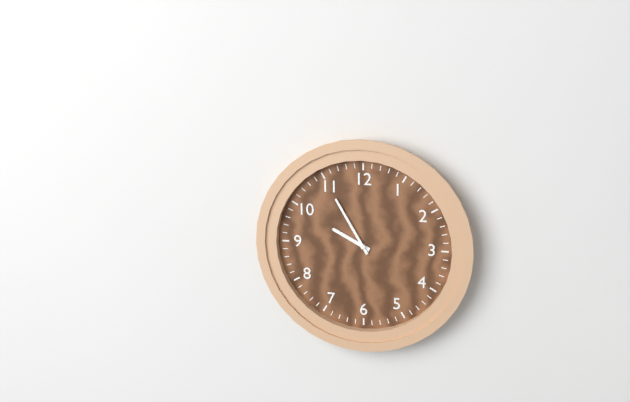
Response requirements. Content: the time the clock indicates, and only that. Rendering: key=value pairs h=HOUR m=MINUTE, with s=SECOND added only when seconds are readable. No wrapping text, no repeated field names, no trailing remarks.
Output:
h=9 m=55
